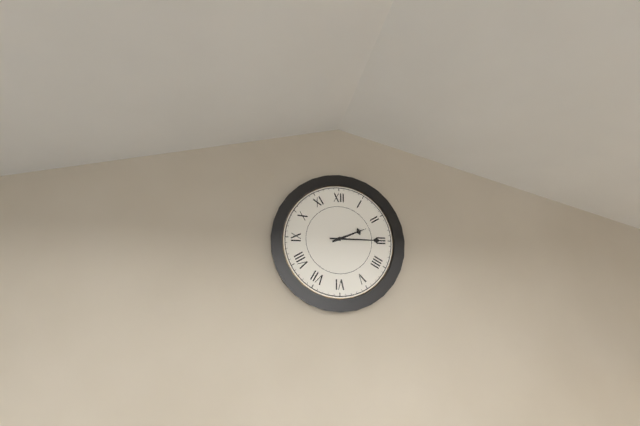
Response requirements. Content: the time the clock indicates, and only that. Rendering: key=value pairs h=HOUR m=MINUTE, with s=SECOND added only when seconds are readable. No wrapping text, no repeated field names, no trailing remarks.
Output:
h=2 m=15
